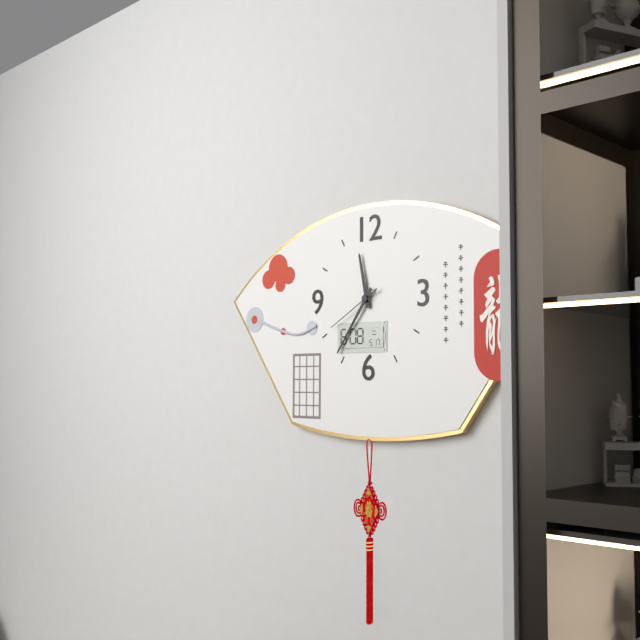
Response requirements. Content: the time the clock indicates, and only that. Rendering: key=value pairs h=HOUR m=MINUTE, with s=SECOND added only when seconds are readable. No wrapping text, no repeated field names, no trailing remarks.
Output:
h=11 m=36 s=40
